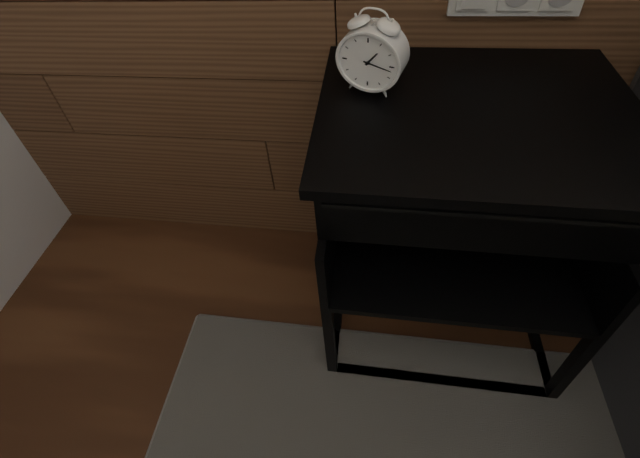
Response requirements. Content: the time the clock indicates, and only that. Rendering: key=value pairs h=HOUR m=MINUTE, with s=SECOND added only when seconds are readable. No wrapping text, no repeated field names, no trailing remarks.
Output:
h=1 m=17
